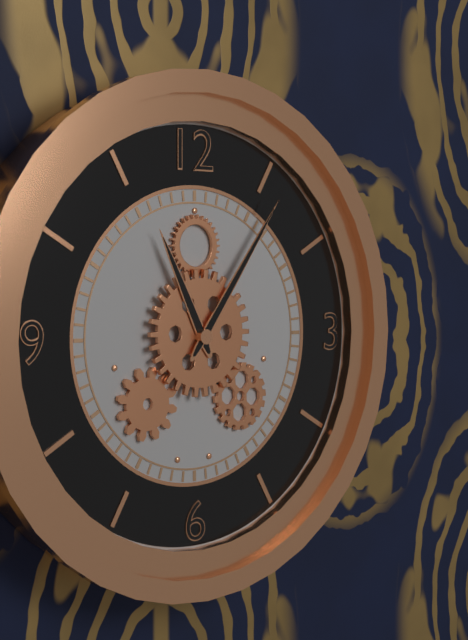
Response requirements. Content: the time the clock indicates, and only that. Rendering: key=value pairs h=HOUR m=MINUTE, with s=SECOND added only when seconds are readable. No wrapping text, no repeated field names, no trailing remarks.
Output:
h=11 m=6
